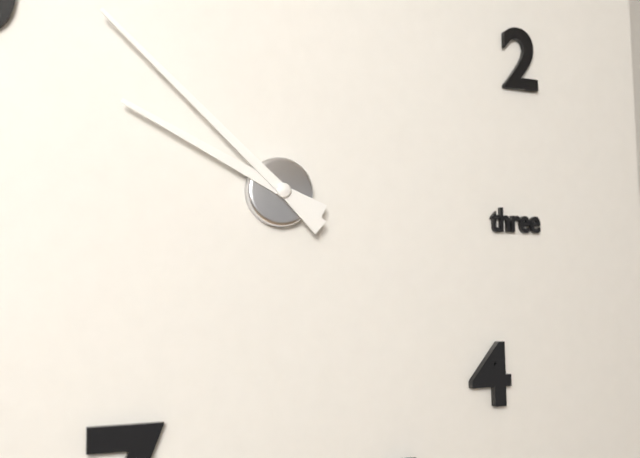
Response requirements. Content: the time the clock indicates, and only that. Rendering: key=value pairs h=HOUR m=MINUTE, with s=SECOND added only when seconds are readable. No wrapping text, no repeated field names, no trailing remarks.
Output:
h=9 m=52
